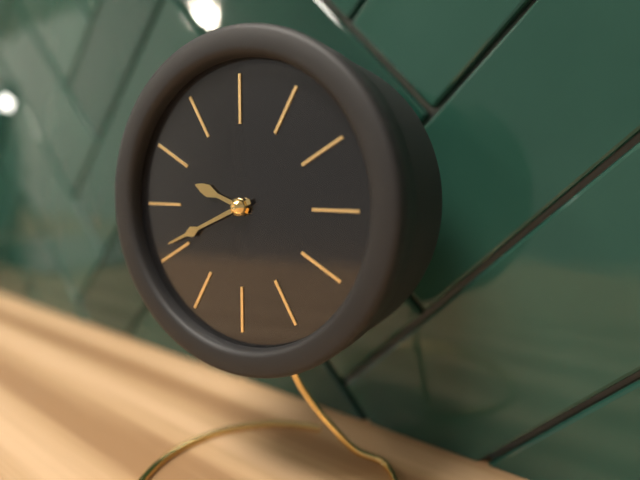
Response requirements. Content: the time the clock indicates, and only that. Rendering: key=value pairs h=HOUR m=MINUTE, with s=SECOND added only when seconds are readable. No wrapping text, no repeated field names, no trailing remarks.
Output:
h=9 m=41
